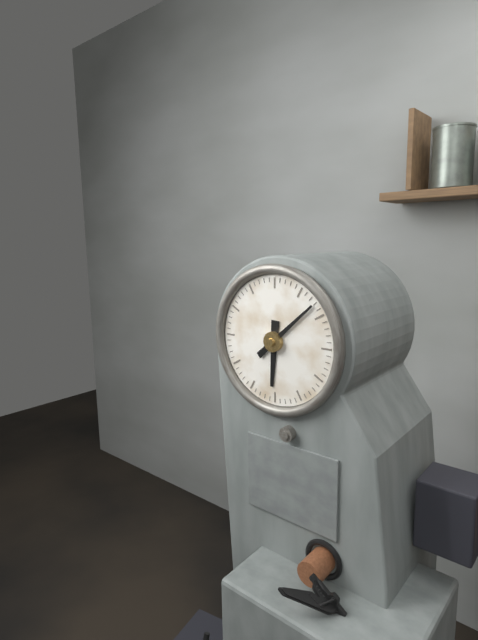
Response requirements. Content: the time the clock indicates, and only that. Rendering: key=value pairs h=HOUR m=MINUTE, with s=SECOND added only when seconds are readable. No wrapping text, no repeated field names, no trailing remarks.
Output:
h=6 m=8
